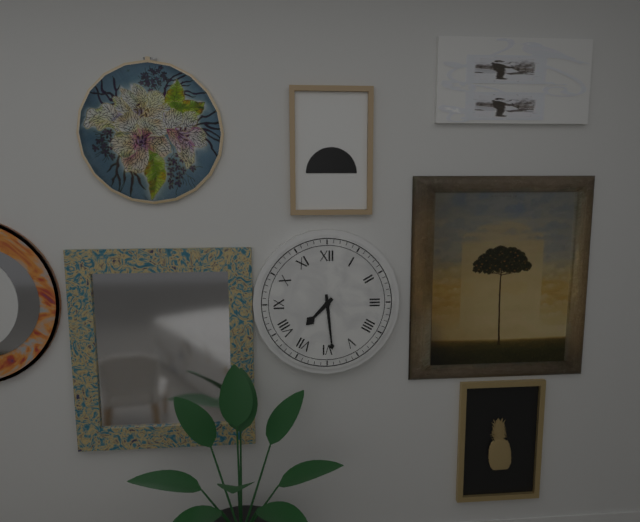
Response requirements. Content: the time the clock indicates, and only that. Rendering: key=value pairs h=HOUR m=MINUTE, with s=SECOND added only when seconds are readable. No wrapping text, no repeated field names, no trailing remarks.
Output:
h=7 m=29
